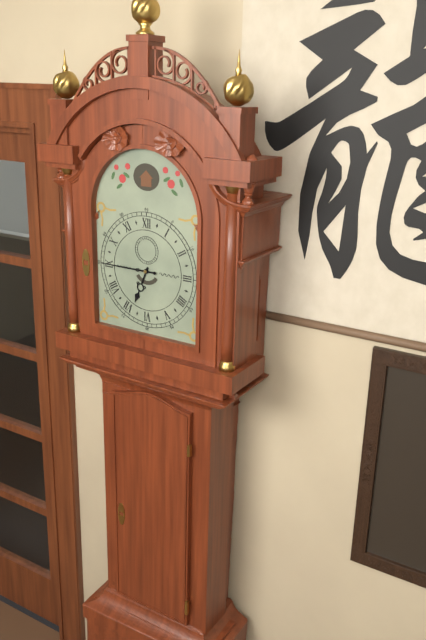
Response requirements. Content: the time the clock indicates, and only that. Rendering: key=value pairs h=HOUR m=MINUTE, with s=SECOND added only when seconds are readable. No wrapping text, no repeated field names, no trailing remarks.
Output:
h=6 m=45
